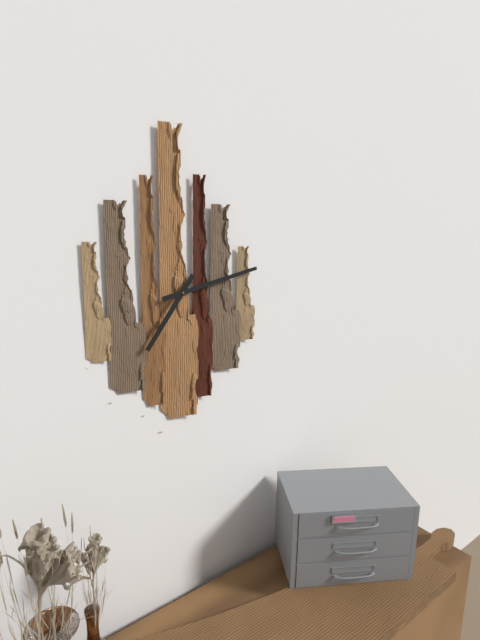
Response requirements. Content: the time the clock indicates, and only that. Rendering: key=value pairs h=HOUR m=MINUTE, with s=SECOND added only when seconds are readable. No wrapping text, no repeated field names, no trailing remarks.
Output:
h=7 m=13
